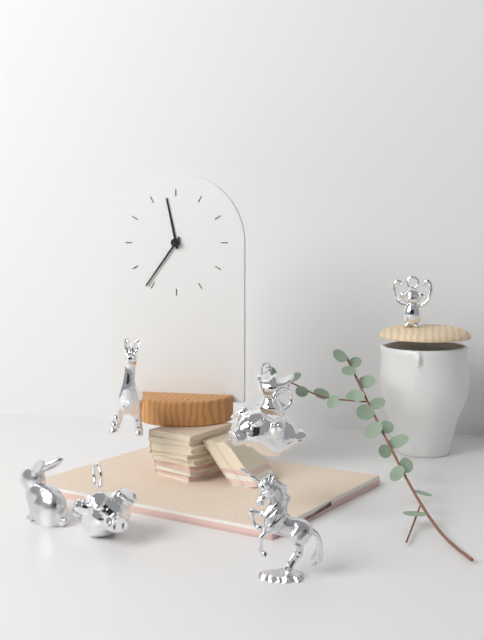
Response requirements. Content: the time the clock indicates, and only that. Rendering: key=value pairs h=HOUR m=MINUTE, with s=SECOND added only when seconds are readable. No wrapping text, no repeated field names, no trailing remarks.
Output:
h=11 m=36
